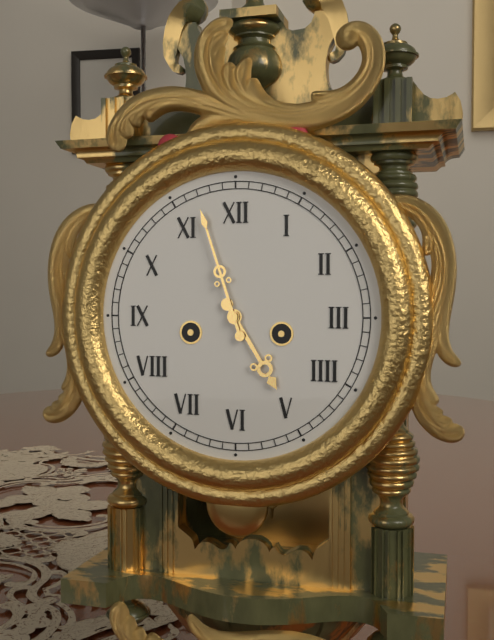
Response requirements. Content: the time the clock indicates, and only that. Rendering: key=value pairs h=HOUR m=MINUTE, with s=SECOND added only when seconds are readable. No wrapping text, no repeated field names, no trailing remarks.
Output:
h=4 m=57
